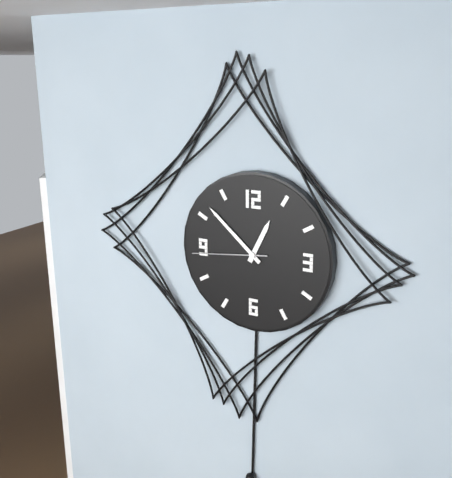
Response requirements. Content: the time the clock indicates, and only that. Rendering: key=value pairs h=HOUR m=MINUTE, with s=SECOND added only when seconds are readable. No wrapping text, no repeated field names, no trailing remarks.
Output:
h=12 m=52 s=44
